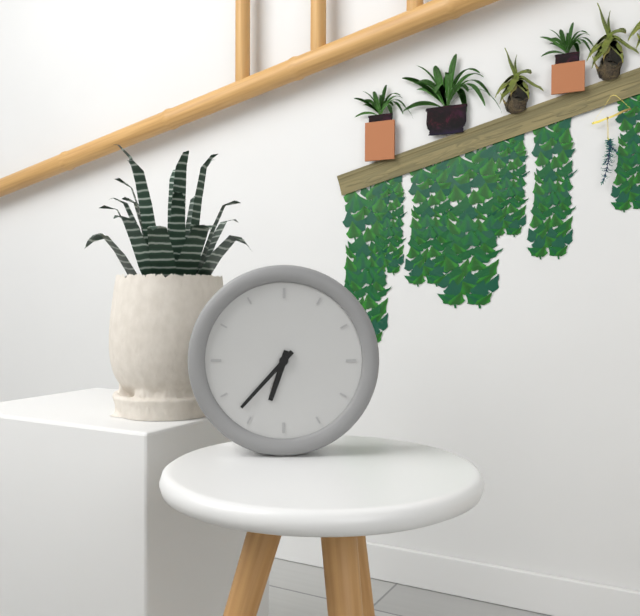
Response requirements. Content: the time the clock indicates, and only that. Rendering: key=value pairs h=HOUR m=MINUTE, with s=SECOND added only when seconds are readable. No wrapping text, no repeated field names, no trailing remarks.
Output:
h=6 m=37
